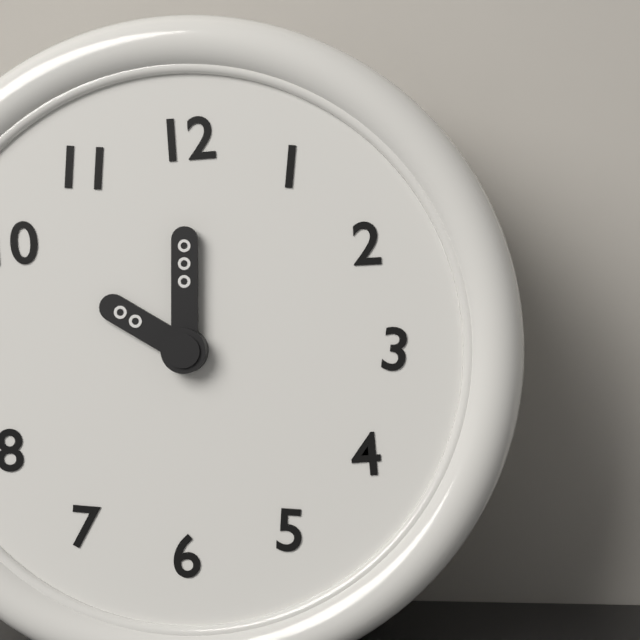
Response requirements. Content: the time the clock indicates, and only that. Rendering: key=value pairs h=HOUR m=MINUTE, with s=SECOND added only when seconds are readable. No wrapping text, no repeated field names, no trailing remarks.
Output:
h=10 m=0
